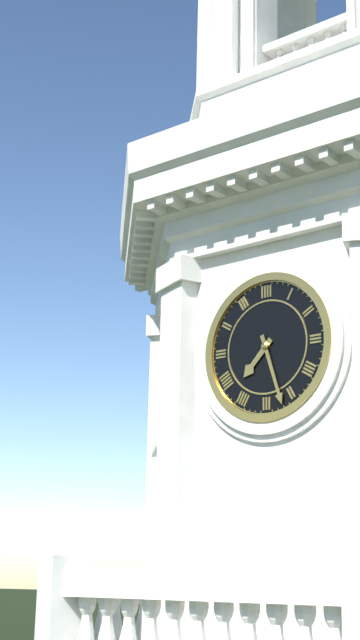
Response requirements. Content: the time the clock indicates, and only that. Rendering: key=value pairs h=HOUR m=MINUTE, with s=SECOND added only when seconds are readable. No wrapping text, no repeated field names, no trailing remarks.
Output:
h=7 m=27
